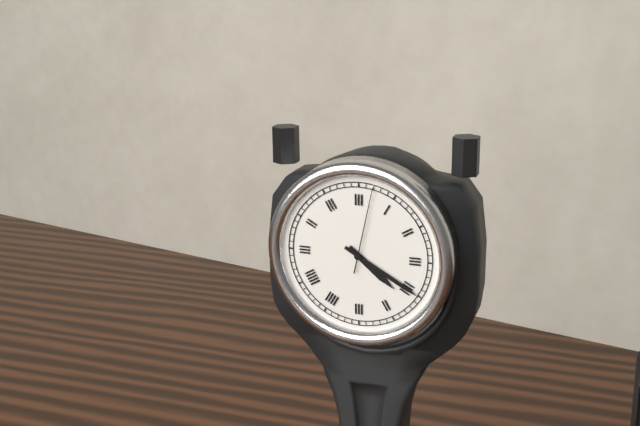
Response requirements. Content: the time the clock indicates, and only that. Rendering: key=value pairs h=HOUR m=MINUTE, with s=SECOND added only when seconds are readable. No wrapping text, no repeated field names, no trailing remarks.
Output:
h=4 m=20 s=2
